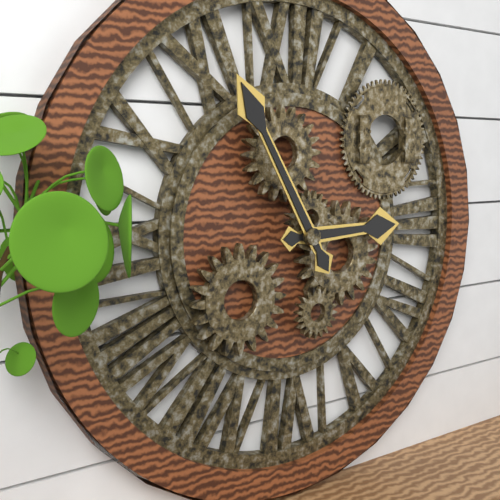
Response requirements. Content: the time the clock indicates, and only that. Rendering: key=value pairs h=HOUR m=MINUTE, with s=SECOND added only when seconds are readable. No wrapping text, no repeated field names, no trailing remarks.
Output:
h=2 m=55
